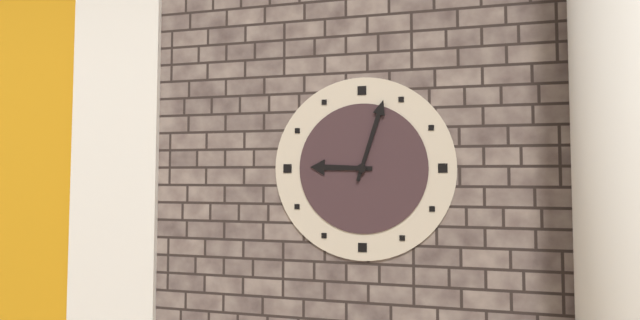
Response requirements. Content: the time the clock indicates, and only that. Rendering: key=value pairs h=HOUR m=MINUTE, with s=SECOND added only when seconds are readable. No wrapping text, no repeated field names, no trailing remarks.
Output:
h=9 m=3
